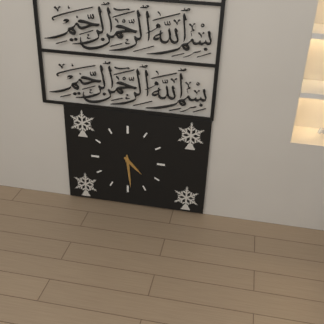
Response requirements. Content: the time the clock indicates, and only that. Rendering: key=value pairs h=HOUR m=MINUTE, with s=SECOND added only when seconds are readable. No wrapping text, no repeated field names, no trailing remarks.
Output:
h=4 m=29
